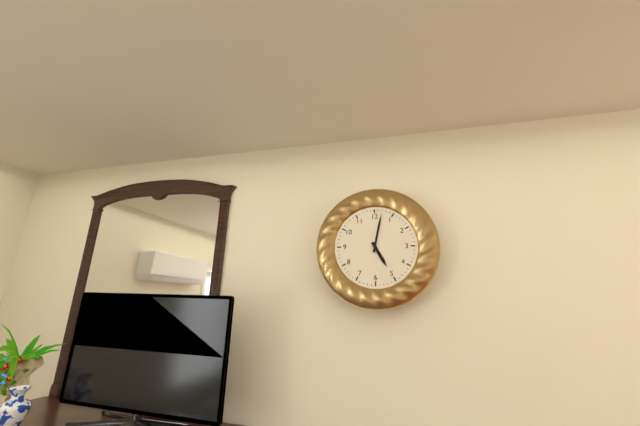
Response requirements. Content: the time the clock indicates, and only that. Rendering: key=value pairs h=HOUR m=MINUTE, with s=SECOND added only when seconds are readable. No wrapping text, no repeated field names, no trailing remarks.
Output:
h=5 m=2
